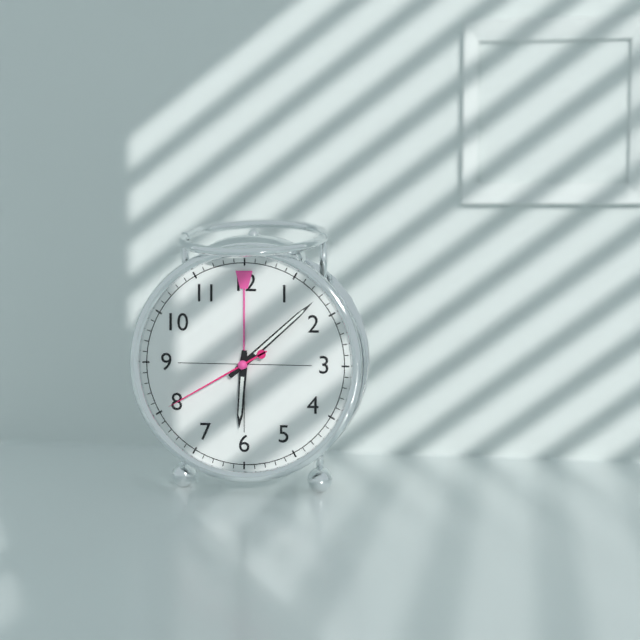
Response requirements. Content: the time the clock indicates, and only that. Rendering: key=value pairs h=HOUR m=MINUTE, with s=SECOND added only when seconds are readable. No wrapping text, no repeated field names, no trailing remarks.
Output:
h=6 m=8 s=40
